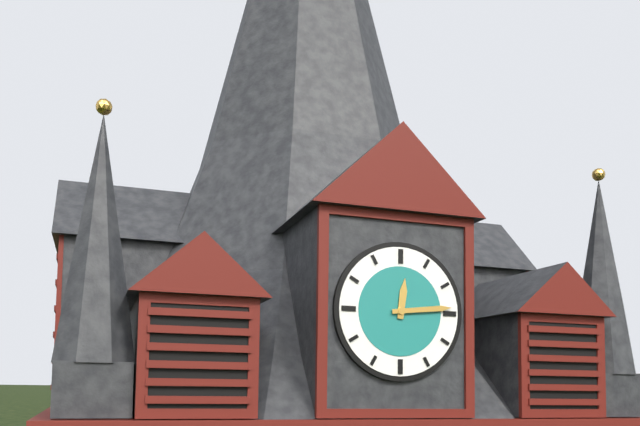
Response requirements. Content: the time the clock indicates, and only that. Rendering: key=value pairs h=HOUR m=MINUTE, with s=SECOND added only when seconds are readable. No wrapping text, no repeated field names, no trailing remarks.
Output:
h=12 m=14
